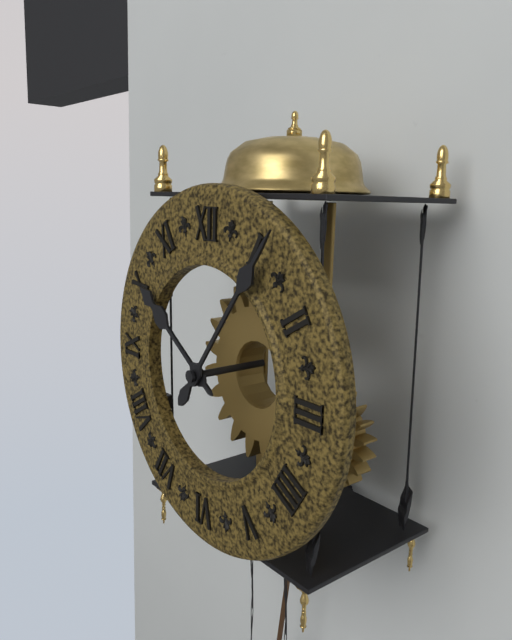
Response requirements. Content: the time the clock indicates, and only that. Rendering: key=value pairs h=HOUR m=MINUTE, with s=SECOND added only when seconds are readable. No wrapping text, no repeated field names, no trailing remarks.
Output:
h=10 m=6
